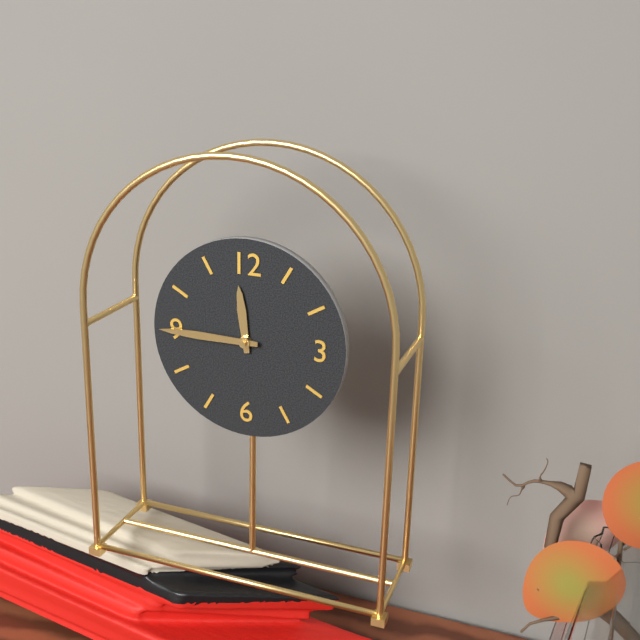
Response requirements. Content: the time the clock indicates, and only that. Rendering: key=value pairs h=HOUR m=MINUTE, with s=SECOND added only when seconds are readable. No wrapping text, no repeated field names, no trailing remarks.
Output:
h=11 m=45
